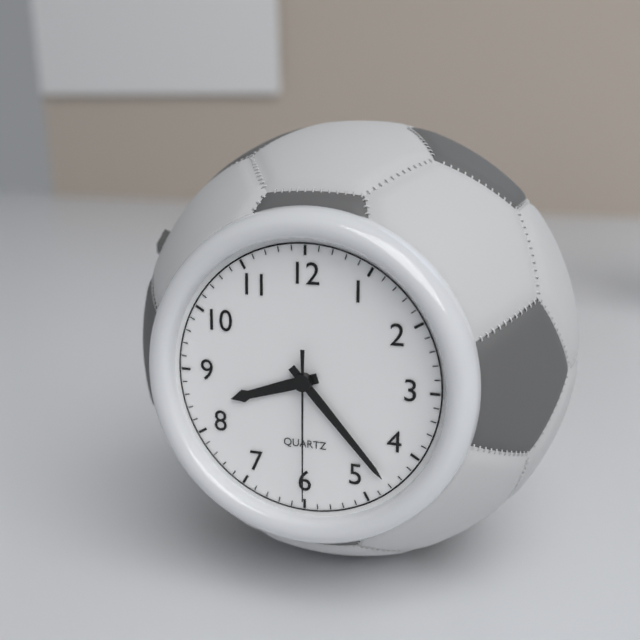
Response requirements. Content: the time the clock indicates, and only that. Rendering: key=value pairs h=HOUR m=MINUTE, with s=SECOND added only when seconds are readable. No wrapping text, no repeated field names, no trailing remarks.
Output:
h=8 m=23 s=30
